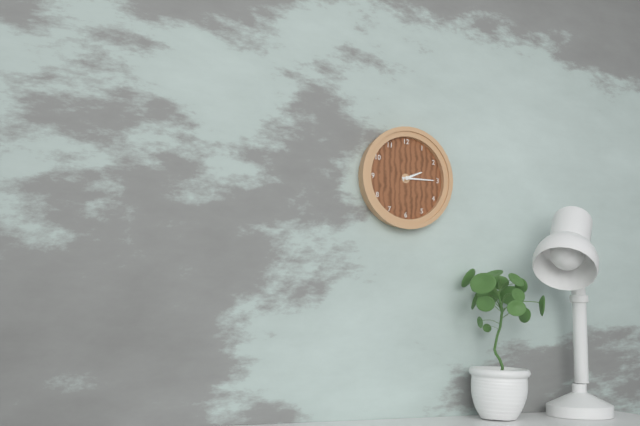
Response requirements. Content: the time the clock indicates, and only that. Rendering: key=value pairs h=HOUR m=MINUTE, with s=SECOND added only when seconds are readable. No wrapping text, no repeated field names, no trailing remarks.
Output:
h=2 m=15
